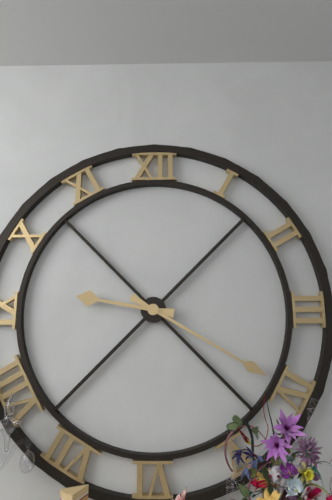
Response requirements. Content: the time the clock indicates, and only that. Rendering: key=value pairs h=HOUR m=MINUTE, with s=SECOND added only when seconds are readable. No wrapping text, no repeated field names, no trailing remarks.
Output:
h=9 m=20
